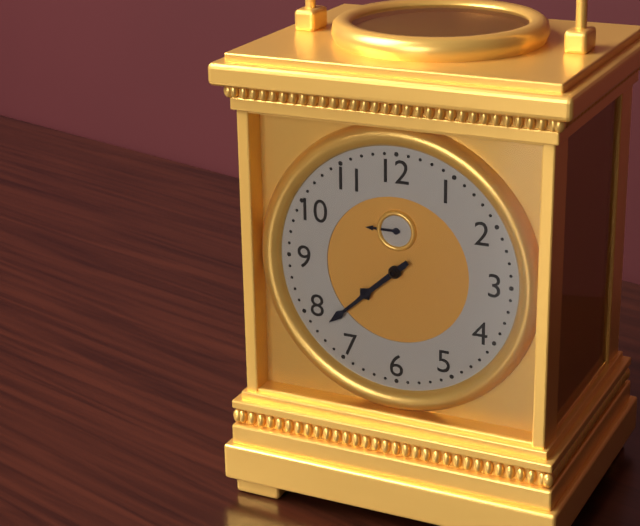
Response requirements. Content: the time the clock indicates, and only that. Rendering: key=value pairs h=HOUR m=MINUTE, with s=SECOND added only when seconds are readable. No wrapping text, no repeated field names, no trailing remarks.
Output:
h=7 m=38
